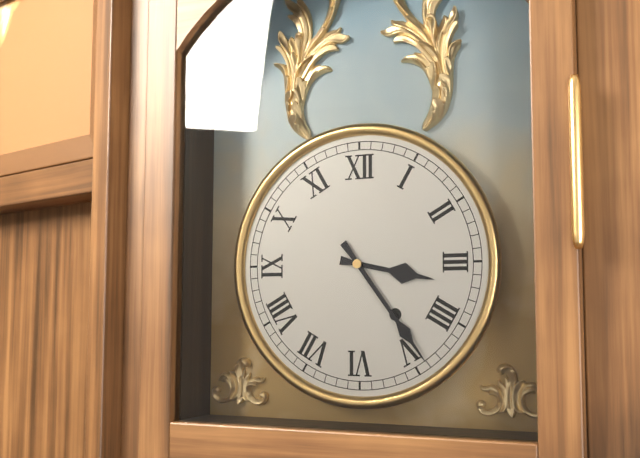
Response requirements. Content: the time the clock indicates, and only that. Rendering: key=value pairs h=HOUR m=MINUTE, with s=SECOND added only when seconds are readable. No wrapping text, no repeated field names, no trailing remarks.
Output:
h=3 m=24
